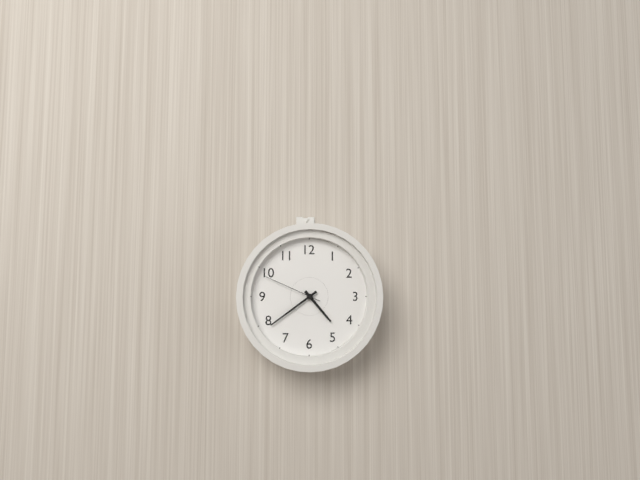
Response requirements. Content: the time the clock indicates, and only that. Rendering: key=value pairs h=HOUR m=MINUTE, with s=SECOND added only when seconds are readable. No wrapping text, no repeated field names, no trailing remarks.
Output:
h=4 m=39 s=49
